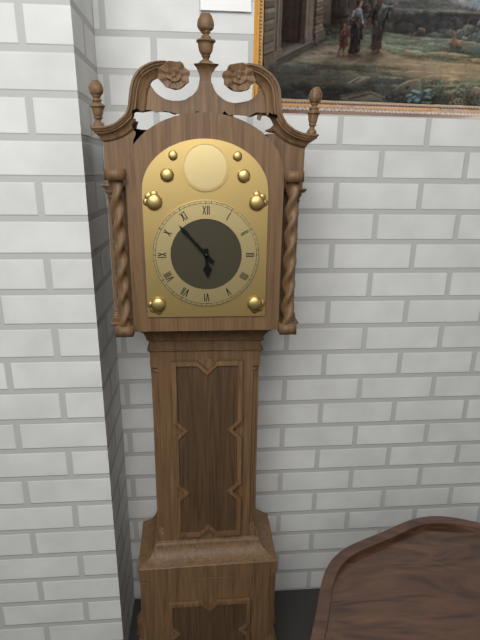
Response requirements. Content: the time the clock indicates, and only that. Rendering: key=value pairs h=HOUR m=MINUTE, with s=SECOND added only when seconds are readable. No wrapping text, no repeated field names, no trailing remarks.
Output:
h=5 m=53
